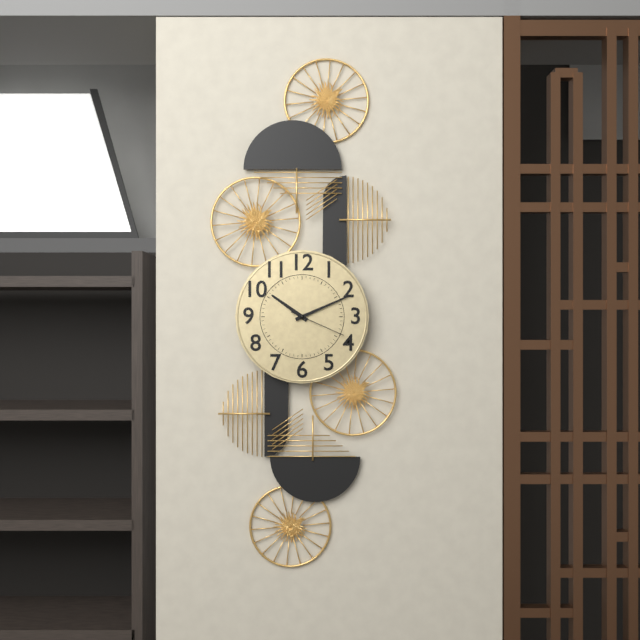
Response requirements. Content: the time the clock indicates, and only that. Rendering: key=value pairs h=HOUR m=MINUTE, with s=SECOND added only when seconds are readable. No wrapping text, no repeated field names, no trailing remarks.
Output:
h=10 m=11 s=19
